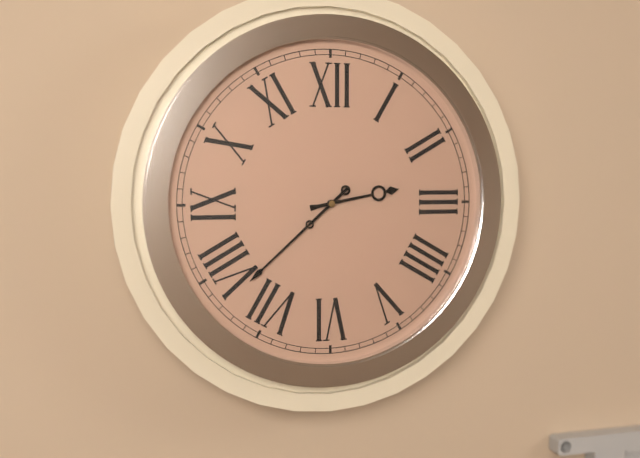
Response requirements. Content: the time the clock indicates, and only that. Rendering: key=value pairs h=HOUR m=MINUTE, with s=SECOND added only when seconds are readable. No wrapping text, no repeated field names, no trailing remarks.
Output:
h=2 m=38
